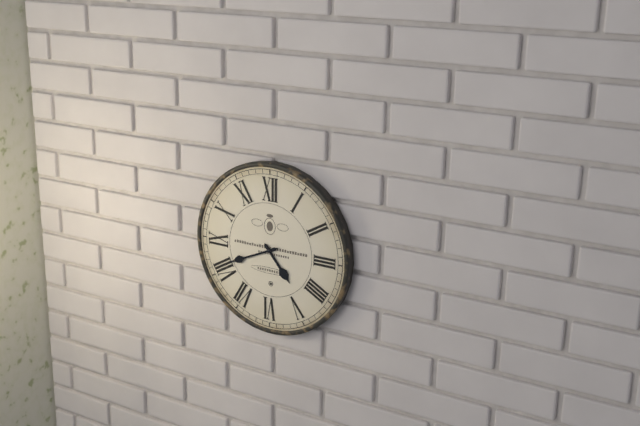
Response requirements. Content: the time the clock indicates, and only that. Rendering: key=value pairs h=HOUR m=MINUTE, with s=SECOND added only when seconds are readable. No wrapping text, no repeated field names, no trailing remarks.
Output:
h=4 m=41
